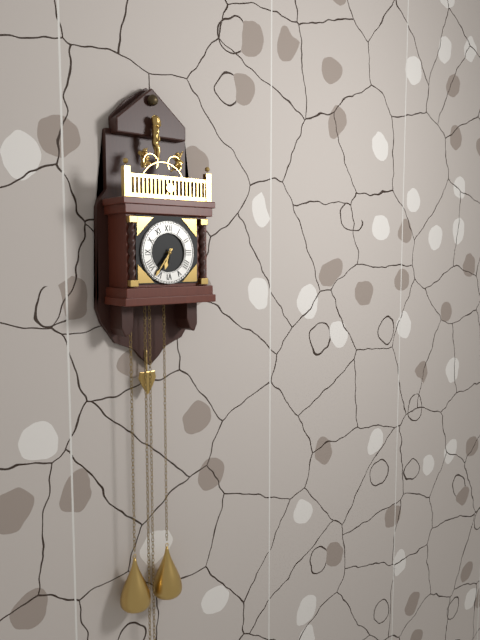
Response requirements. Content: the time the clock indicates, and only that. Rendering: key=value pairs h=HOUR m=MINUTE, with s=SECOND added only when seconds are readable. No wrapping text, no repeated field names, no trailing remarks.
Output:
h=6 m=36
